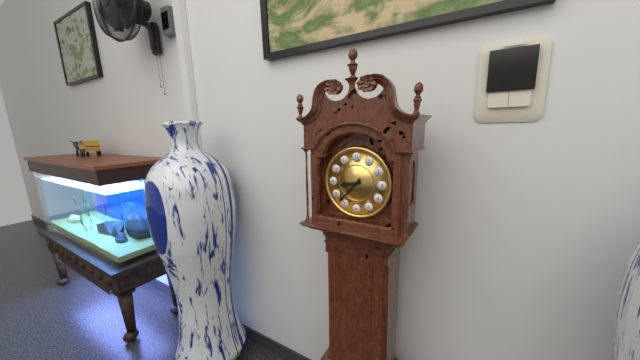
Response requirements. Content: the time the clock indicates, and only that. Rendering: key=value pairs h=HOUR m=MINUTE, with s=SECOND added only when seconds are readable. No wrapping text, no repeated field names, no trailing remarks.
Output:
h=8 m=37
